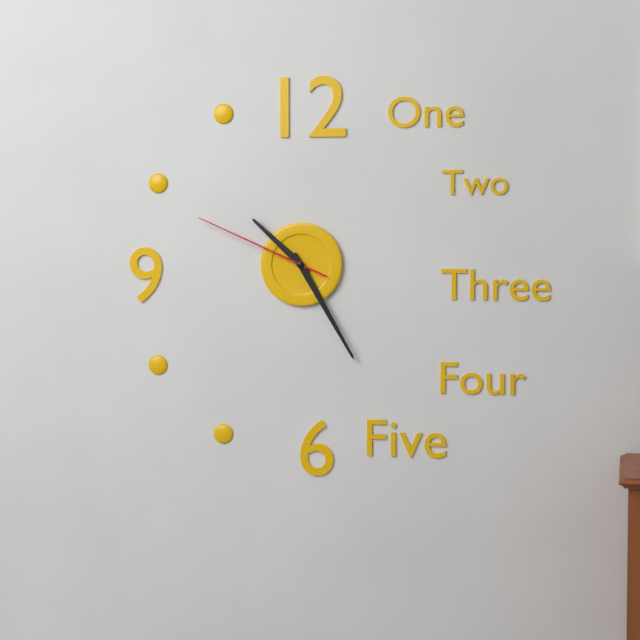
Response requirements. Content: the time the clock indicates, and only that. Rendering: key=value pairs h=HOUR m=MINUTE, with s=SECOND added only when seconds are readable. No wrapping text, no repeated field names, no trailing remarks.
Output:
h=10 m=25 s=49
